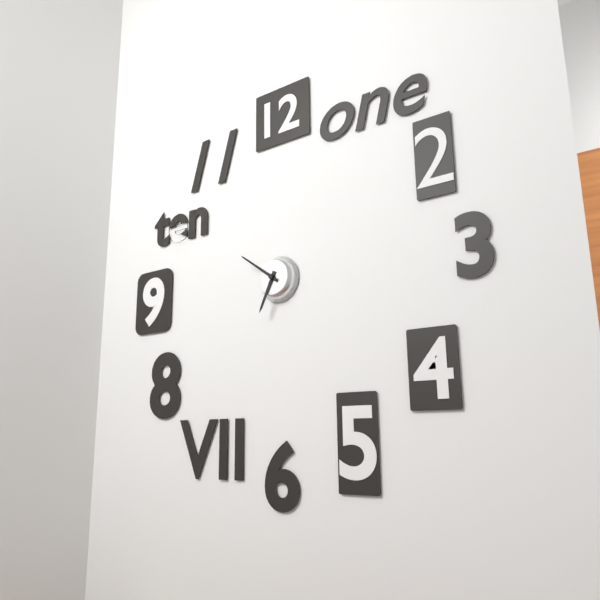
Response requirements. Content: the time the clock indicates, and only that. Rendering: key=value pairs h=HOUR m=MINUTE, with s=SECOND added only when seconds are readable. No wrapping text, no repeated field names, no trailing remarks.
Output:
h=6 m=51
